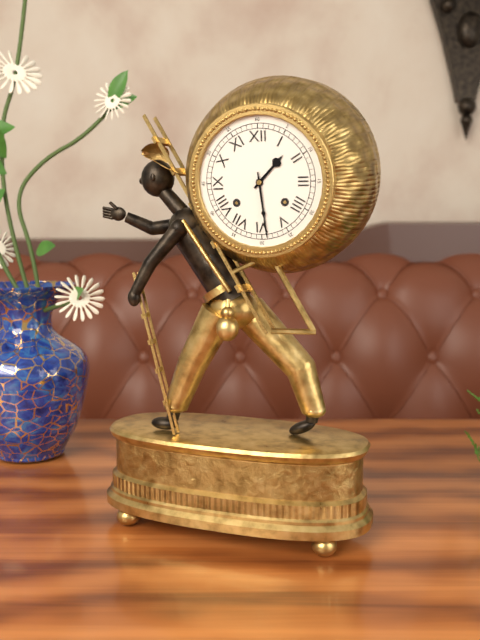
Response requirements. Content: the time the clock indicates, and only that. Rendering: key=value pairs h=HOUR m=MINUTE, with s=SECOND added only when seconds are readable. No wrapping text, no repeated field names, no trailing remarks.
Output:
h=1 m=29
